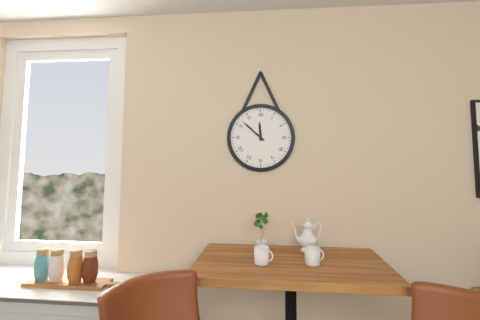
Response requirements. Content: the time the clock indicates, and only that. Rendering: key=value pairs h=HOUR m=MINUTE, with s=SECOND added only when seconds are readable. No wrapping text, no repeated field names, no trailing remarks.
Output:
h=11 m=52
